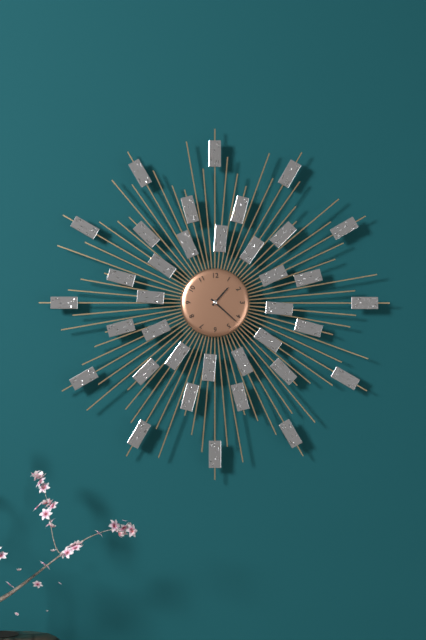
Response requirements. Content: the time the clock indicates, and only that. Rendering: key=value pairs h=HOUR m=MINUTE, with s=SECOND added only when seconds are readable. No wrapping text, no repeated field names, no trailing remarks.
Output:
h=1 m=22
